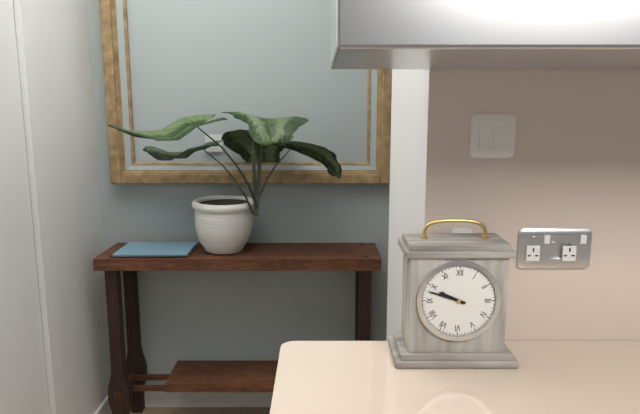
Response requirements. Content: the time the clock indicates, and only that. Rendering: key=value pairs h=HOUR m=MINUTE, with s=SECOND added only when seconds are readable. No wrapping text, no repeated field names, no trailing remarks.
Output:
h=9 m=48
